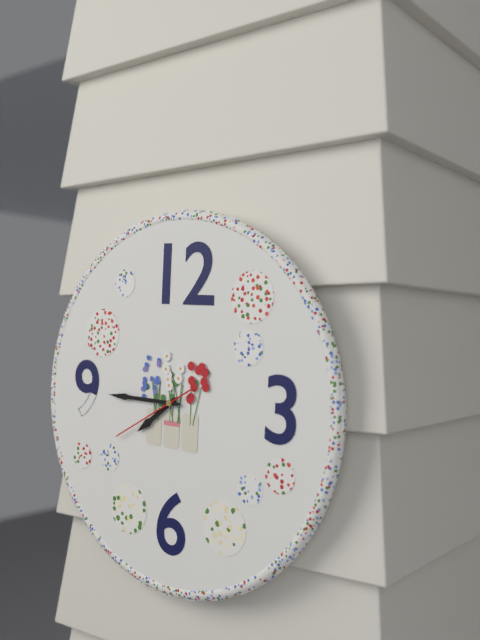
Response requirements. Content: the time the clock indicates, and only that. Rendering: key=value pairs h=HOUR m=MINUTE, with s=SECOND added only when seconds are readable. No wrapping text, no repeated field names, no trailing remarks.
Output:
h=7 m=45 s=40
